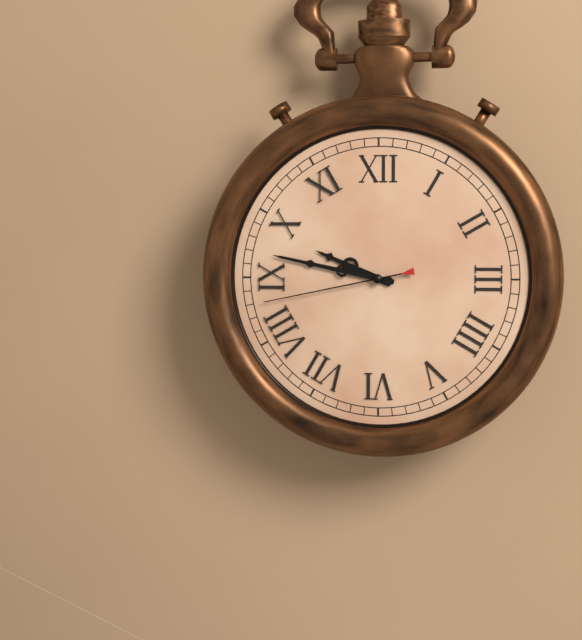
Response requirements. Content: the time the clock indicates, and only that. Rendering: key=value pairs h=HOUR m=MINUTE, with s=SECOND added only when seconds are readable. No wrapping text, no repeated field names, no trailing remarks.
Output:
h=9 m=47 s=43
